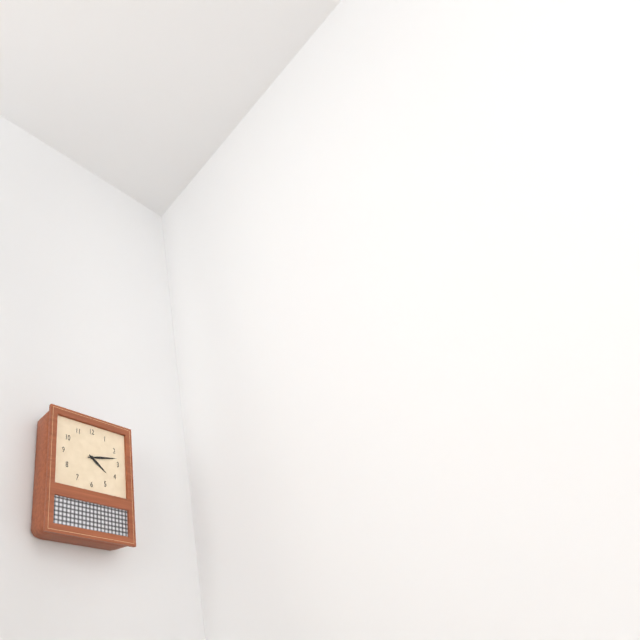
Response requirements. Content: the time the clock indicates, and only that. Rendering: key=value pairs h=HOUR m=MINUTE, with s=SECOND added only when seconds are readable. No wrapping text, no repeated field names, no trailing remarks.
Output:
h=4 m=13
